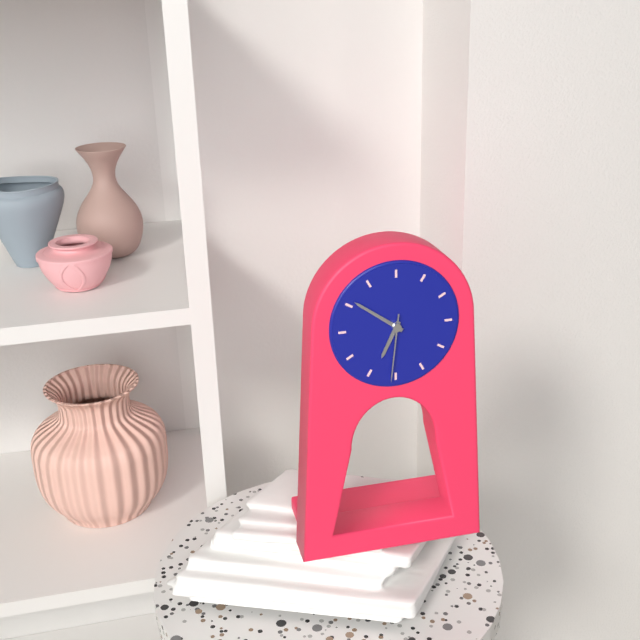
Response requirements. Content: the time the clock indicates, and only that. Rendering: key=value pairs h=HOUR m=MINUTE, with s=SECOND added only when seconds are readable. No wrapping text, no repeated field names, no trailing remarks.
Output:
h=6 m=51 s=31
